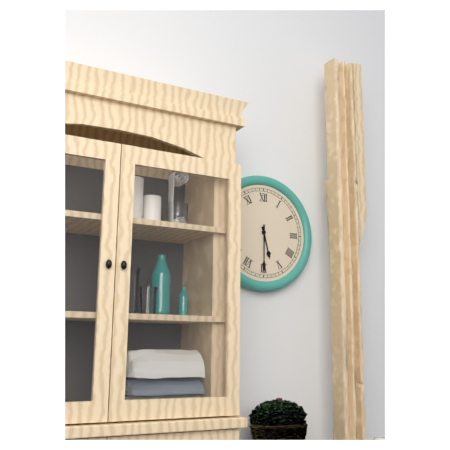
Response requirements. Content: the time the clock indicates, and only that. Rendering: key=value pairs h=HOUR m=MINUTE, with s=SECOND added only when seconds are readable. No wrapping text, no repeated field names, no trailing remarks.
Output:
h=5 m=30
